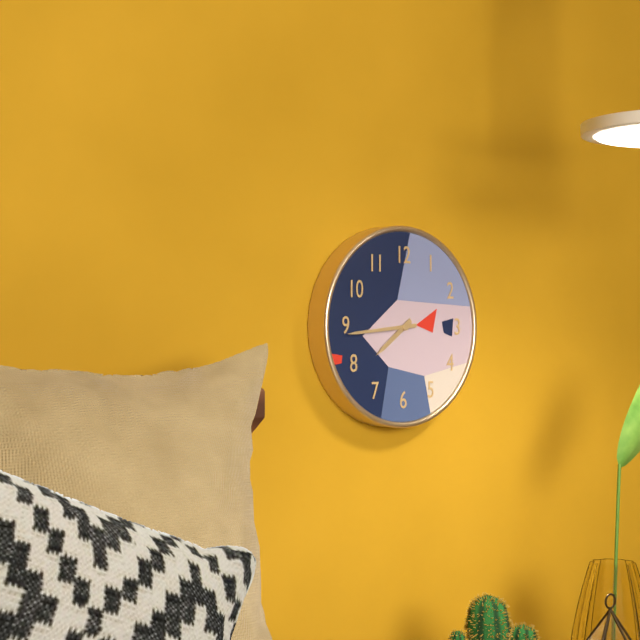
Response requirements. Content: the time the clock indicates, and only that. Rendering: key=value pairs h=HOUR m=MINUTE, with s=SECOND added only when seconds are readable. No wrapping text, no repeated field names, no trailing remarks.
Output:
h=7 m=44
